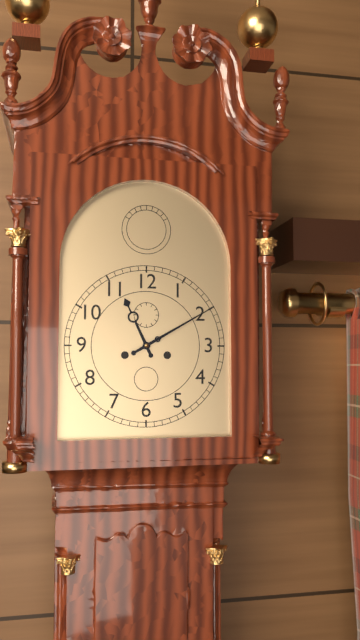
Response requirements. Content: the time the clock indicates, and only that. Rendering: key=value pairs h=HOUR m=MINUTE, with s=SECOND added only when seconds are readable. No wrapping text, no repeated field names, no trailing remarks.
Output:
h=11 m=10
